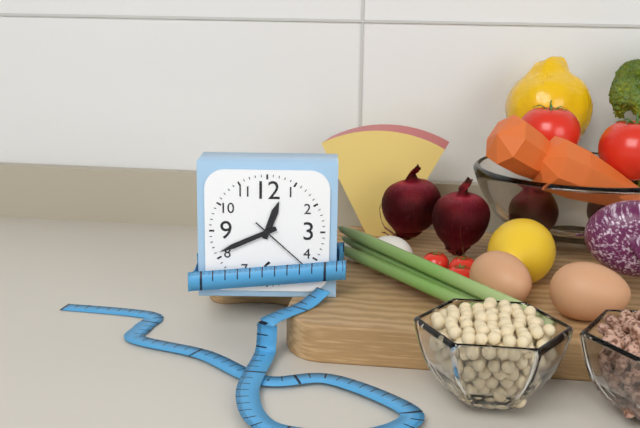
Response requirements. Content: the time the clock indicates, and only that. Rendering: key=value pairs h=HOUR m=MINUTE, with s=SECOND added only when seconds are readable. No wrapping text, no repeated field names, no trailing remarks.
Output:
h=12 m=41 s=22
